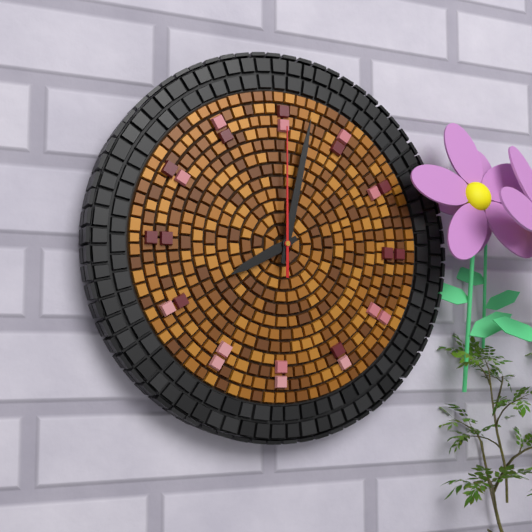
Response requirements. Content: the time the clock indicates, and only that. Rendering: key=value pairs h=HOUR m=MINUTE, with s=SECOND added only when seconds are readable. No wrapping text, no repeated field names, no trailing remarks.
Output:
h=8 m=2 s=0
